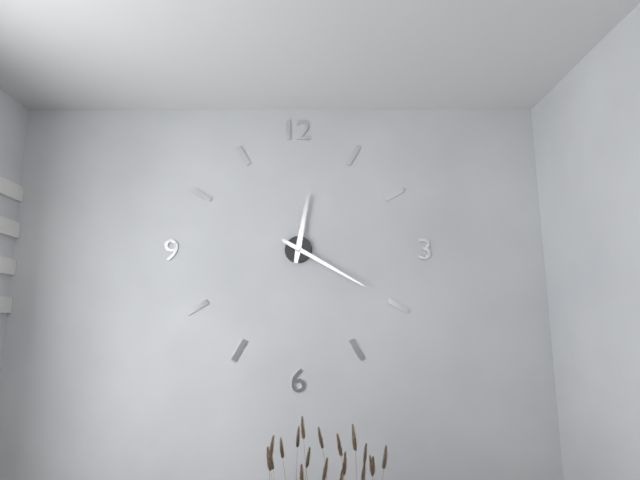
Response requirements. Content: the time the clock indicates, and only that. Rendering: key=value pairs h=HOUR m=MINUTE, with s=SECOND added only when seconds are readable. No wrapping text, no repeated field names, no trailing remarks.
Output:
h=12 m=20
